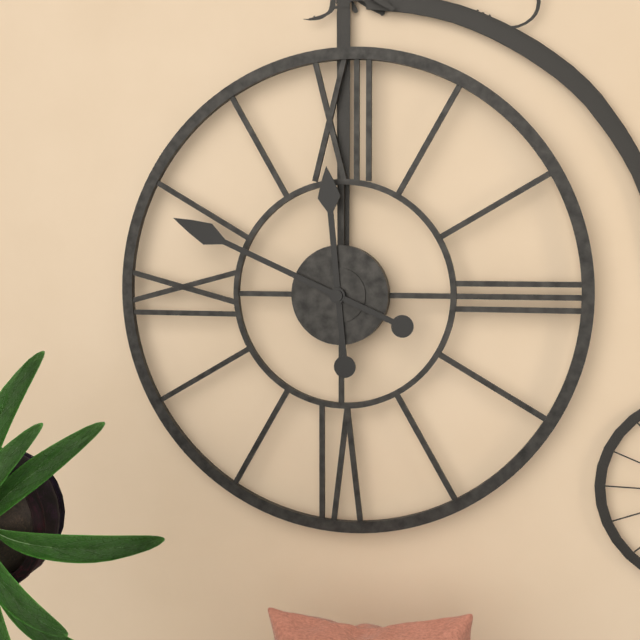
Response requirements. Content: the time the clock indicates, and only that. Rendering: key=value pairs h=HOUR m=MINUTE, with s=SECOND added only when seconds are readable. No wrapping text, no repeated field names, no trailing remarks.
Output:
h=11 m=49
